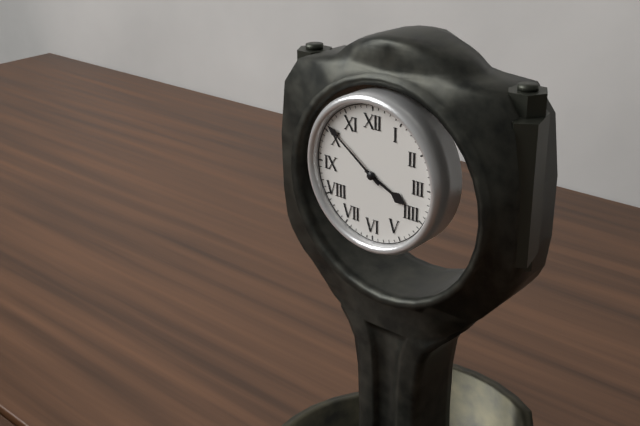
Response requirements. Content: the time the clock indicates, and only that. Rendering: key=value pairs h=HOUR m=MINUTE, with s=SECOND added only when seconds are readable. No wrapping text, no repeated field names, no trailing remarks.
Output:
h=3 m=51
